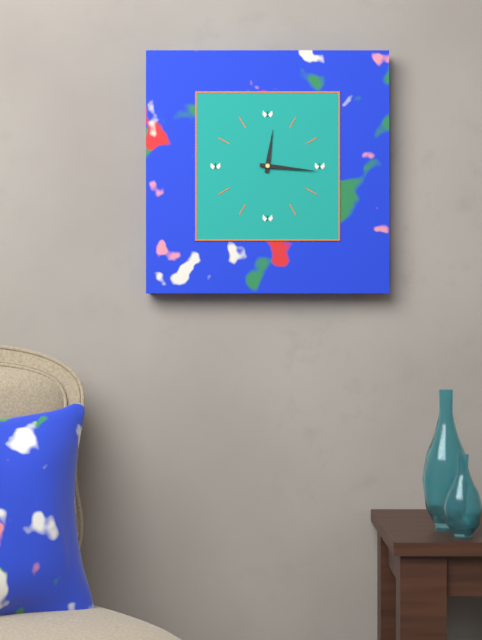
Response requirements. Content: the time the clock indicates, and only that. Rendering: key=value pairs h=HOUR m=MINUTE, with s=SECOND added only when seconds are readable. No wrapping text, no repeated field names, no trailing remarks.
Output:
h=12 m=16
